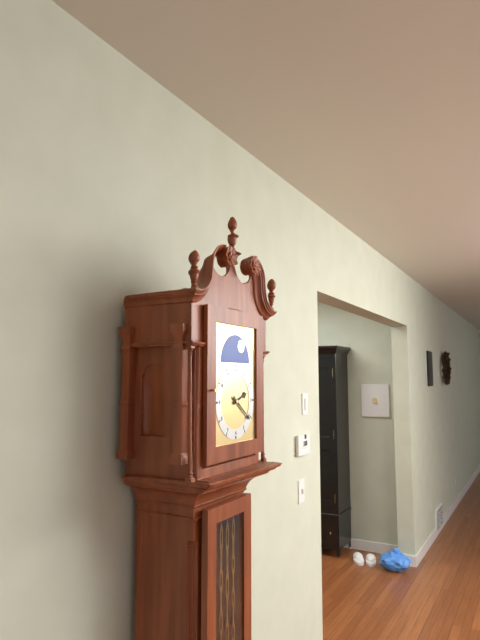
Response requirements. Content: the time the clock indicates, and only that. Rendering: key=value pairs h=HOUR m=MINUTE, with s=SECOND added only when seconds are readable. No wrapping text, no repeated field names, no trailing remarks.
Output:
h=2 m=21
